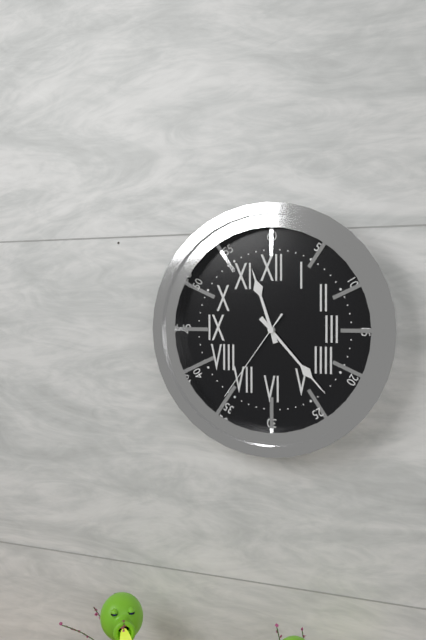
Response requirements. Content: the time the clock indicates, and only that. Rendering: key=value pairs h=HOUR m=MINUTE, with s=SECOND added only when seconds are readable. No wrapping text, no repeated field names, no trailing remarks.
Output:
h=11 m=23 s=36
